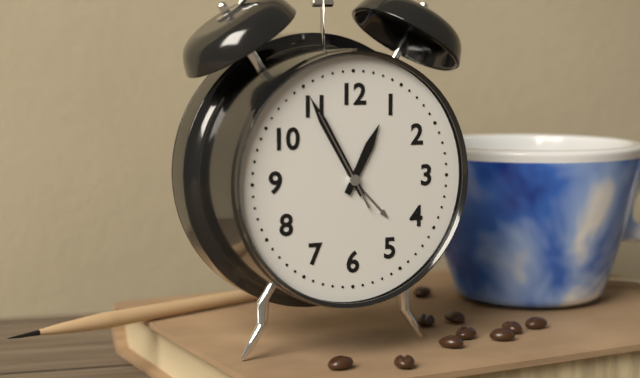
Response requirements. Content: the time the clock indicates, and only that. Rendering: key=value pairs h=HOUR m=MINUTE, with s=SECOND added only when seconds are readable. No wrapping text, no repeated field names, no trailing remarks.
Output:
h=12 m=55 s=55
